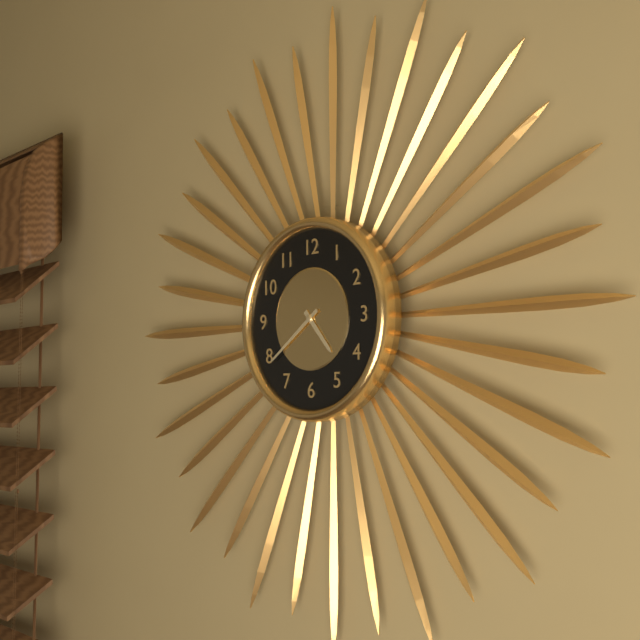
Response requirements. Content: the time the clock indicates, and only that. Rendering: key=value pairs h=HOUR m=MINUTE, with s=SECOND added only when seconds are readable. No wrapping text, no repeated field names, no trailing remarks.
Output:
h=4 m=39
